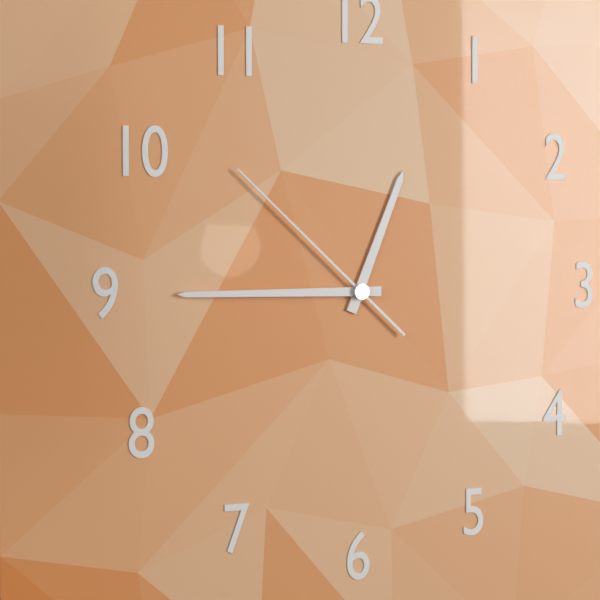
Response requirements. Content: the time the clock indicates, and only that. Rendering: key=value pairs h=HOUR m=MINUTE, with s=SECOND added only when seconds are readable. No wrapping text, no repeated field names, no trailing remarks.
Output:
h=12 m=45 s=52
